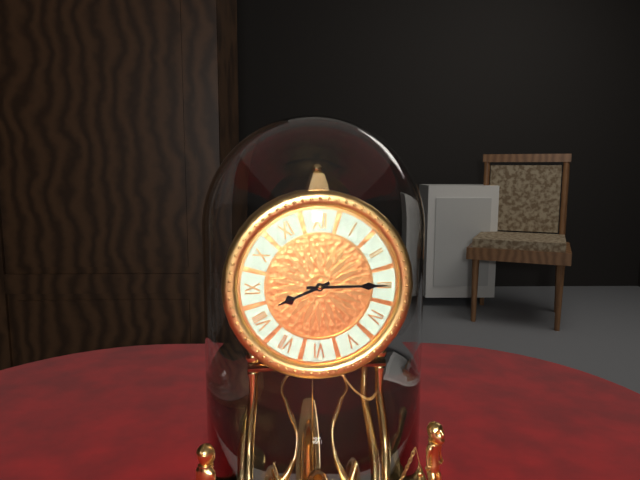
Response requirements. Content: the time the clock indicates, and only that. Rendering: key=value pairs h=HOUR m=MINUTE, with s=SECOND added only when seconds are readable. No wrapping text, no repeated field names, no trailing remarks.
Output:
h=8 m=15
